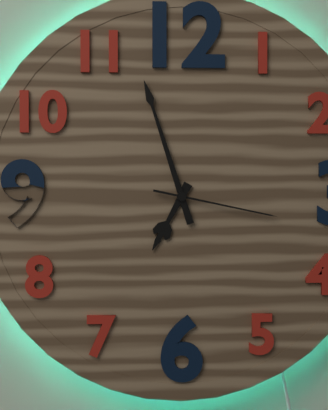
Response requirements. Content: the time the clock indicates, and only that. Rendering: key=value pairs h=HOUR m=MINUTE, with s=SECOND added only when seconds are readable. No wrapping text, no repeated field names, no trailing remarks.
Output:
h=6 m=57 s=17
